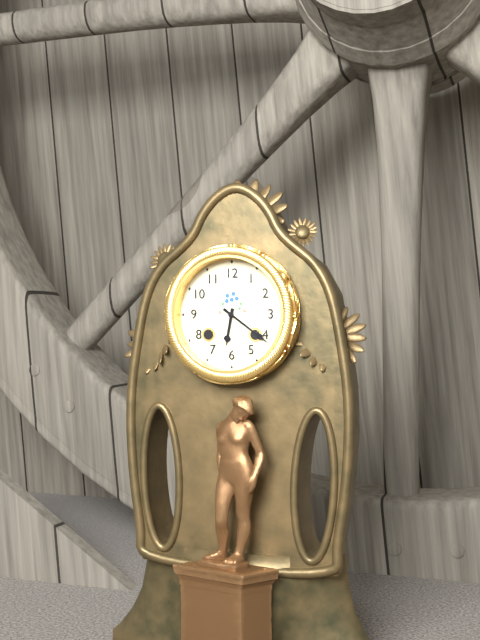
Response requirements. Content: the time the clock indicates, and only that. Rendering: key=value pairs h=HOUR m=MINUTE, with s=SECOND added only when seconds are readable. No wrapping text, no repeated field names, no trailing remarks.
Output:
h=6 m=21
